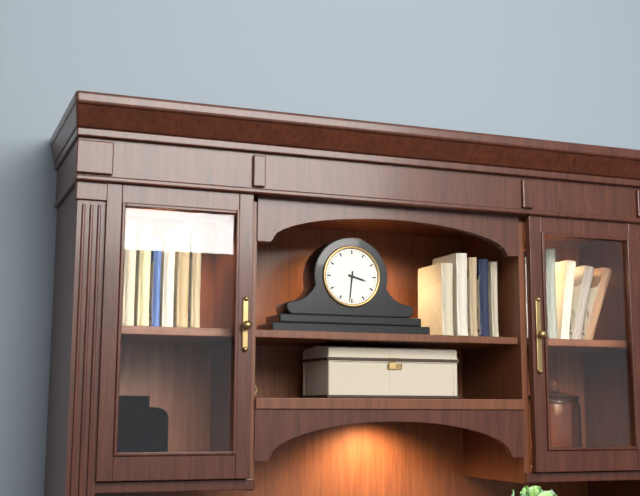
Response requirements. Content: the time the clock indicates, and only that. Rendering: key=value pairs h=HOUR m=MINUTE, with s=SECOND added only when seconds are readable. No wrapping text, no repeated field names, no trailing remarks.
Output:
h=3 m=31
